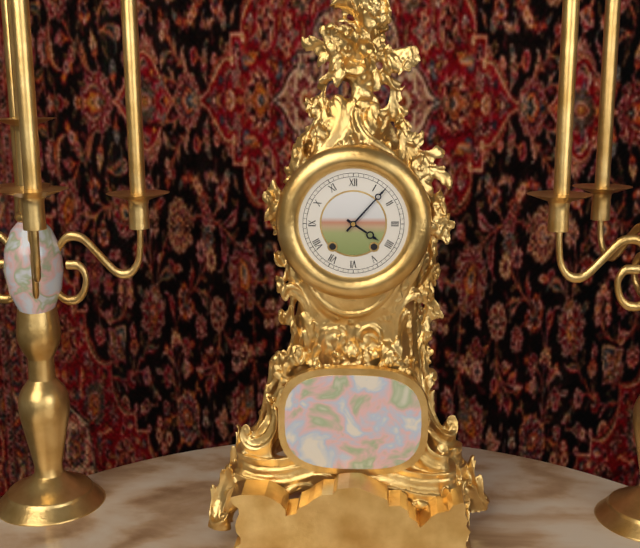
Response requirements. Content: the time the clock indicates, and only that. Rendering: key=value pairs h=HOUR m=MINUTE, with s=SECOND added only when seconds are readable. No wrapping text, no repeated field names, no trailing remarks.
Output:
h=4 m=7
